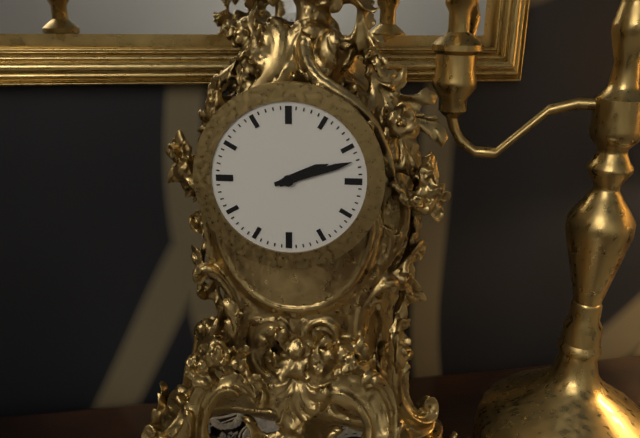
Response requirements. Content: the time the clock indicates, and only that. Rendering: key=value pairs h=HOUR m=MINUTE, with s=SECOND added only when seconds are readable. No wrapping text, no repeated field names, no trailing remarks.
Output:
h=2 m=12
